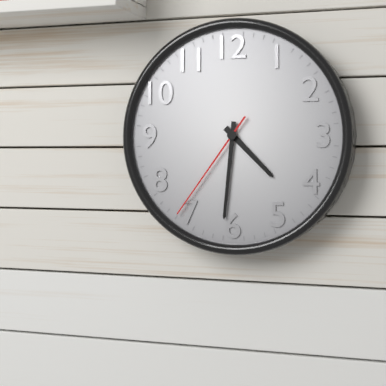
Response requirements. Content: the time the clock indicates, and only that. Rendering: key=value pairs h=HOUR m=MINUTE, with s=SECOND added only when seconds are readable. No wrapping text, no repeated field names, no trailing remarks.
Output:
h=4 m=31 s=36
